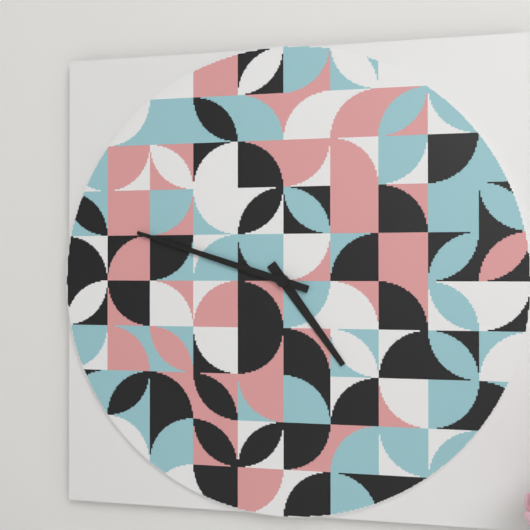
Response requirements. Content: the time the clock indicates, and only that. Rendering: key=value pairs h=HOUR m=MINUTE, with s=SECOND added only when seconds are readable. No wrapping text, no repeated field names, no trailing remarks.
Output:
h=4 m=48
